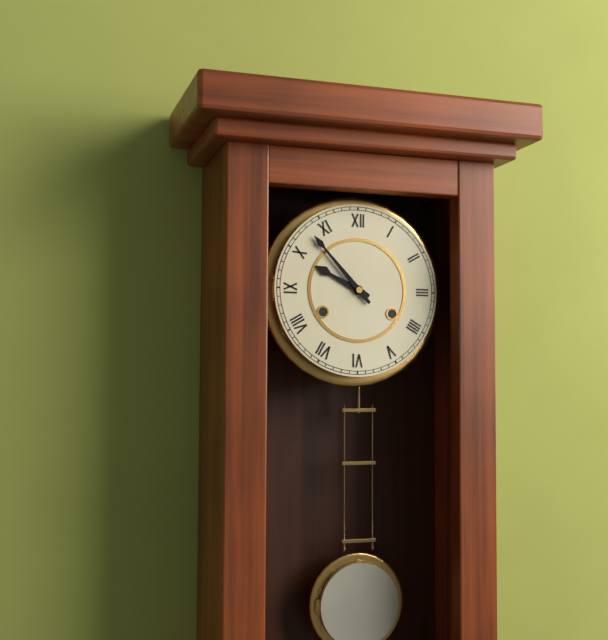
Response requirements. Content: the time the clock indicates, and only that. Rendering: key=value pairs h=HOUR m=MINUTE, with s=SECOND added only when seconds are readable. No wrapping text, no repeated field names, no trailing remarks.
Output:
h=9 m=53
